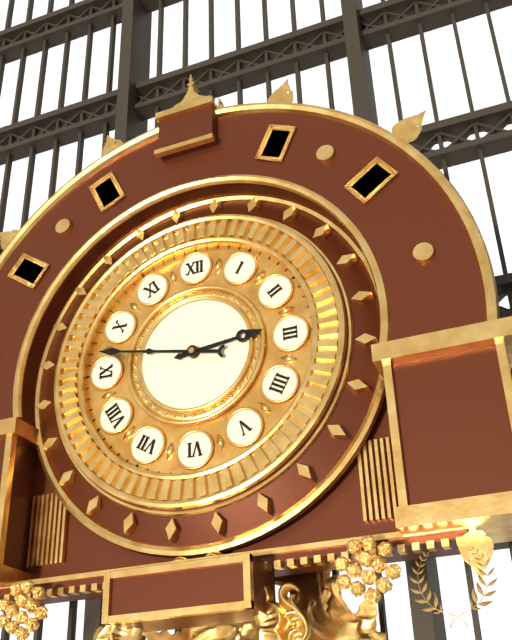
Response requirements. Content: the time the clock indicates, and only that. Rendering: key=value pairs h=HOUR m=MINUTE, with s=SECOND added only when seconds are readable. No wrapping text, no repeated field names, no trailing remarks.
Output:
h=2 m=47
